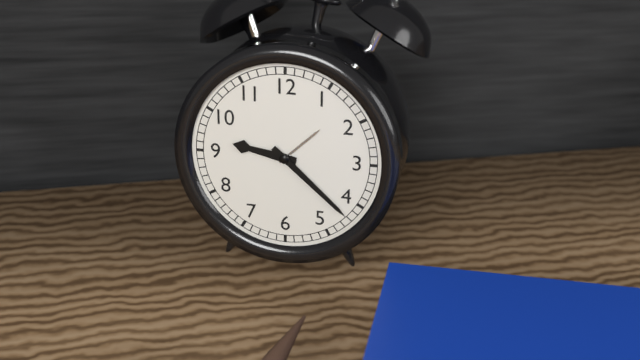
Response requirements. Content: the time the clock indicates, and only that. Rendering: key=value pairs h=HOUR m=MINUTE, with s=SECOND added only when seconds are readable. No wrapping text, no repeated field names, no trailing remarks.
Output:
h=9 m=22
